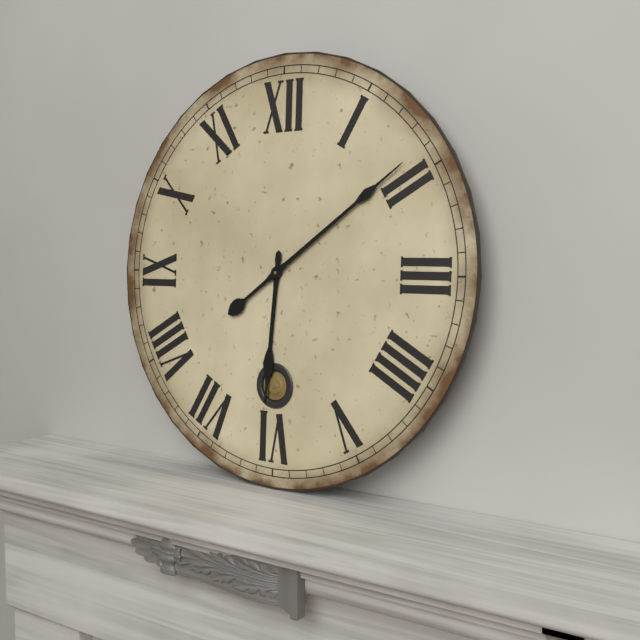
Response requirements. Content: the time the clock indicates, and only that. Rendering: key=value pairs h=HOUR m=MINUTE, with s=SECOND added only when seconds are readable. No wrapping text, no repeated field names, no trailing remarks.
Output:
h=6 m=9
